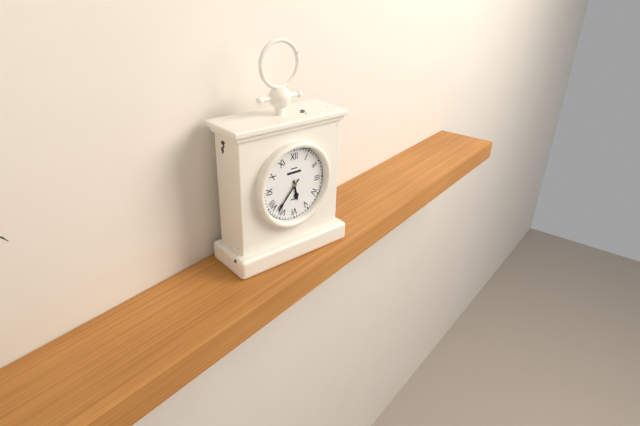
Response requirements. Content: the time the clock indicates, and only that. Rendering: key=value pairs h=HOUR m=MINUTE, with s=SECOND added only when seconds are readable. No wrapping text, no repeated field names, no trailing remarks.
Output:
h=5 m=37
